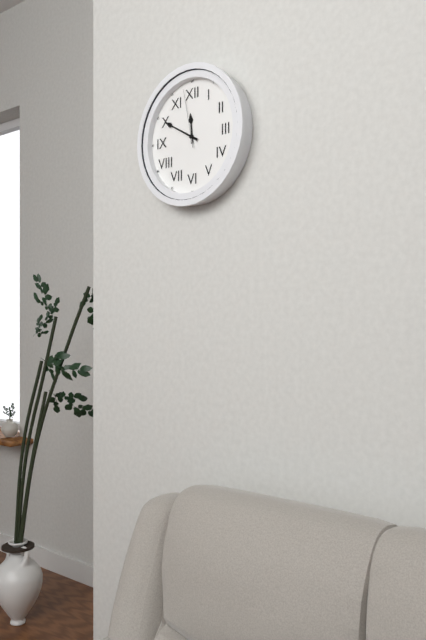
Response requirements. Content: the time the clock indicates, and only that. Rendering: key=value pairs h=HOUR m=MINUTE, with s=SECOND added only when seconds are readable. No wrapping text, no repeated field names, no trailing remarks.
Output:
h=11 m=50 s=58
